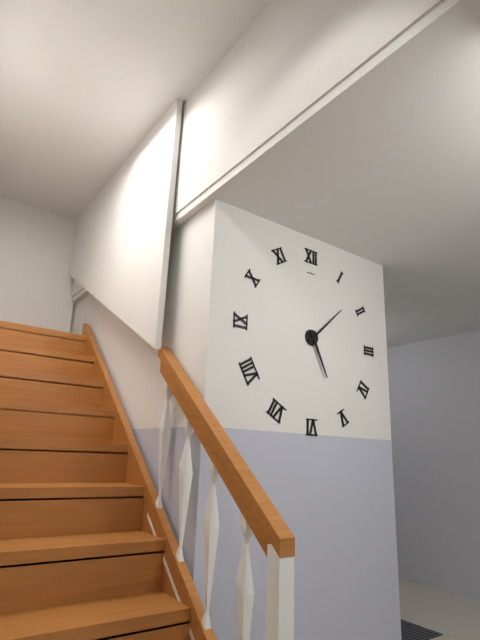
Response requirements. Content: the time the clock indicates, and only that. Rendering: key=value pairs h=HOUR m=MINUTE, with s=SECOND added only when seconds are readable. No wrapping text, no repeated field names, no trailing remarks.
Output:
h=5 m=8
